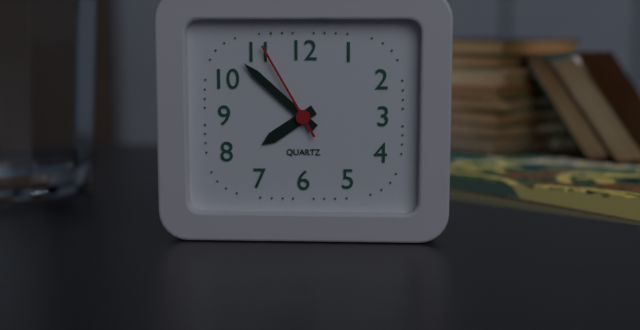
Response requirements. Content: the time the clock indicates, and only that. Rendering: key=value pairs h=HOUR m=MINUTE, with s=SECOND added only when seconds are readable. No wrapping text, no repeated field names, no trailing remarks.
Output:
h=7 m=52 s=55
